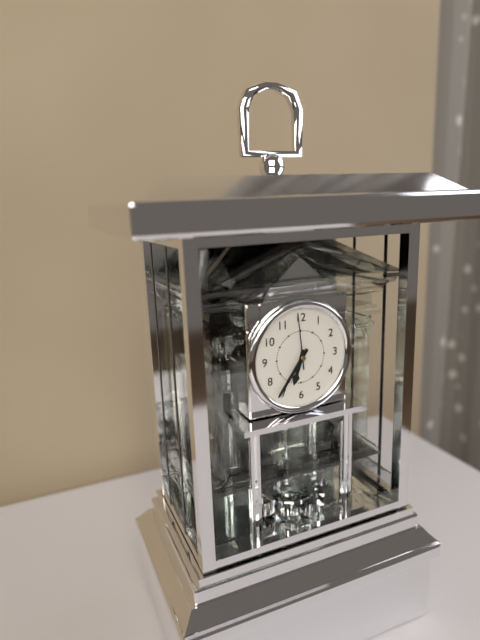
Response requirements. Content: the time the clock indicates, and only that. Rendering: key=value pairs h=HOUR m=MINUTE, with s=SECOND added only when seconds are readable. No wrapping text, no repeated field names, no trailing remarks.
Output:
h=6 m=36 s=59
